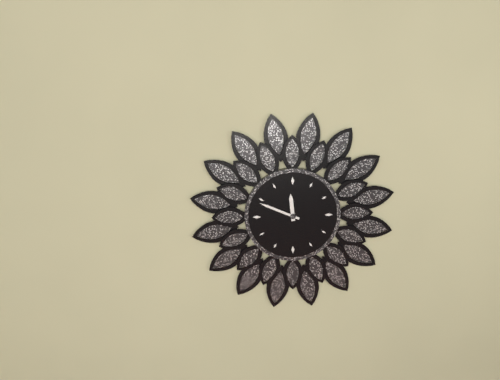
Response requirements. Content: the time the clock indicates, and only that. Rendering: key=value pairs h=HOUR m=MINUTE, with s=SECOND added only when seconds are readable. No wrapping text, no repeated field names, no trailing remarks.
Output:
h=11 m=49
